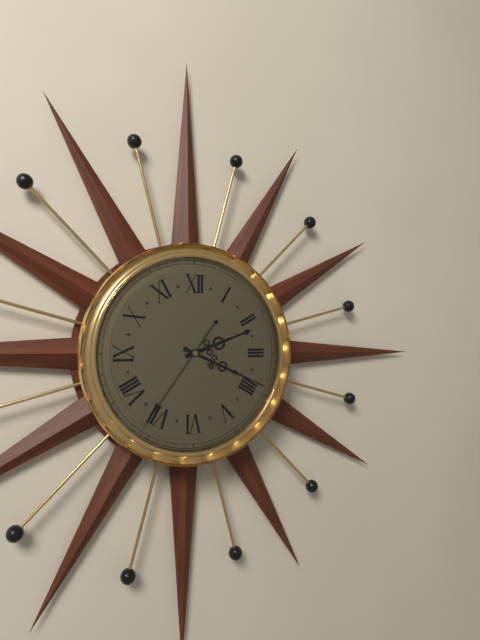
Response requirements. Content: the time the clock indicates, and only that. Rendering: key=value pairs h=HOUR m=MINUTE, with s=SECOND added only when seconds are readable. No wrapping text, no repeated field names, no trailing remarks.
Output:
h=2 m=19 s=36
